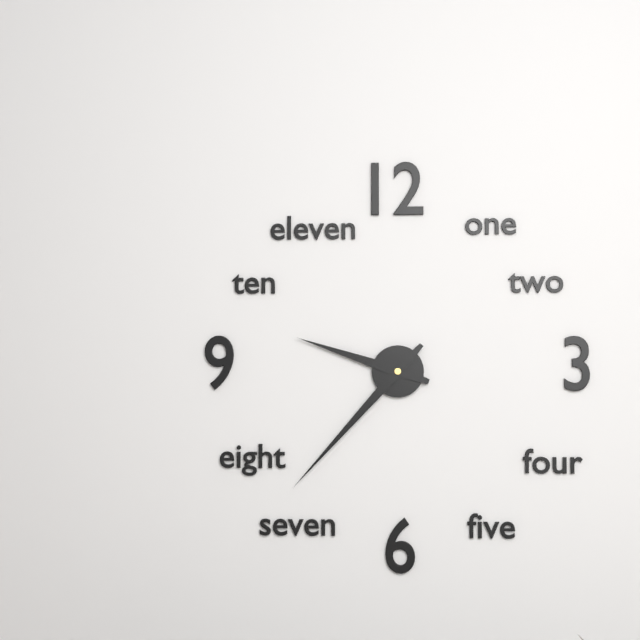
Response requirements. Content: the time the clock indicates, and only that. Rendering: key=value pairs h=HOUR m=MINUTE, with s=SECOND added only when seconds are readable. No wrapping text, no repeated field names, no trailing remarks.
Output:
h=9 m=37
